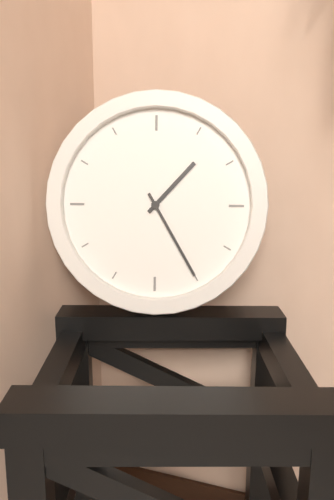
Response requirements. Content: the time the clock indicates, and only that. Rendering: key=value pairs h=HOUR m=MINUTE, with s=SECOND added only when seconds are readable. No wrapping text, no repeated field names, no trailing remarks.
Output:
h=1 m=25
